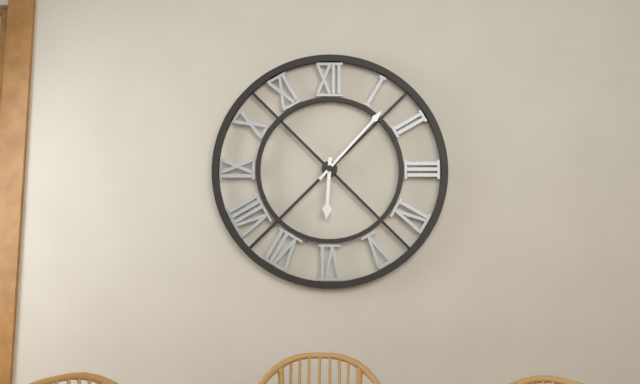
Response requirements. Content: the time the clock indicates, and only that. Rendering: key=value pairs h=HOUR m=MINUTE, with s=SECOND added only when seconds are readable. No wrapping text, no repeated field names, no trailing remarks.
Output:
h=6 m=7
